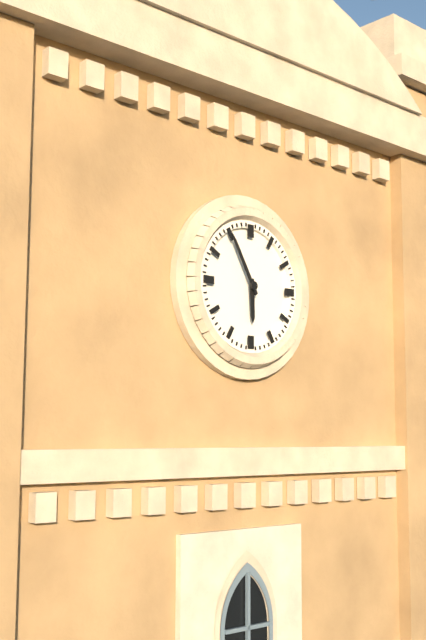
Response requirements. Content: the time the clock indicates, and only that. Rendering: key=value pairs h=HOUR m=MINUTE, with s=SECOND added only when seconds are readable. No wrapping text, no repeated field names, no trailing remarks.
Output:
h=5 m=55
